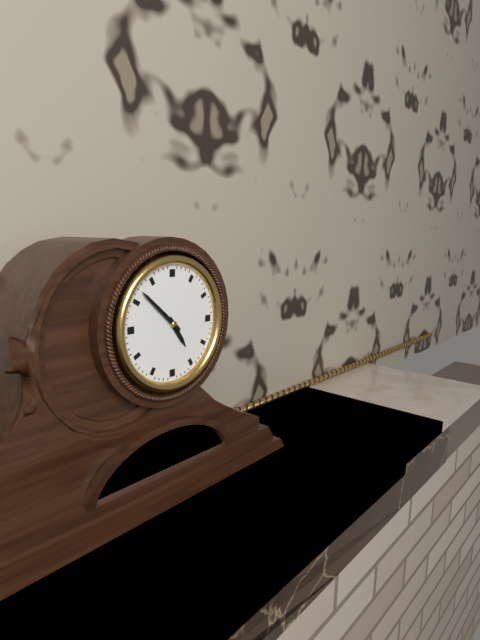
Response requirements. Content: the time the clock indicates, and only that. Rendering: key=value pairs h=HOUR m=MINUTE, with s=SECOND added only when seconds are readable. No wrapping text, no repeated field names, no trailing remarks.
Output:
h=4 m=52
